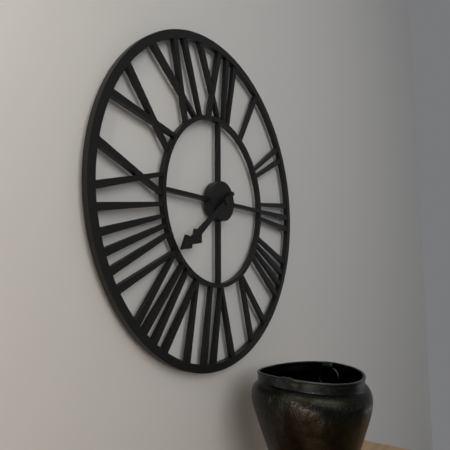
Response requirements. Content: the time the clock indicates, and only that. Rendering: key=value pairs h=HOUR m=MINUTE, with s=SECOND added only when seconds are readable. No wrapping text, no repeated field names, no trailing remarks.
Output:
h=7 m=39
